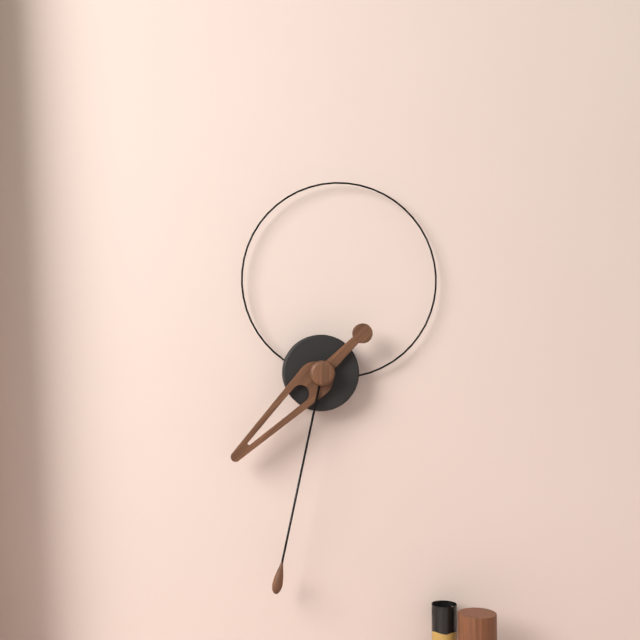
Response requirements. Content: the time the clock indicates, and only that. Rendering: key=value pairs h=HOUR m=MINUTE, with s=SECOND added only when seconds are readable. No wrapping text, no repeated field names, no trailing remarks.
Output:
h=7 m=32
